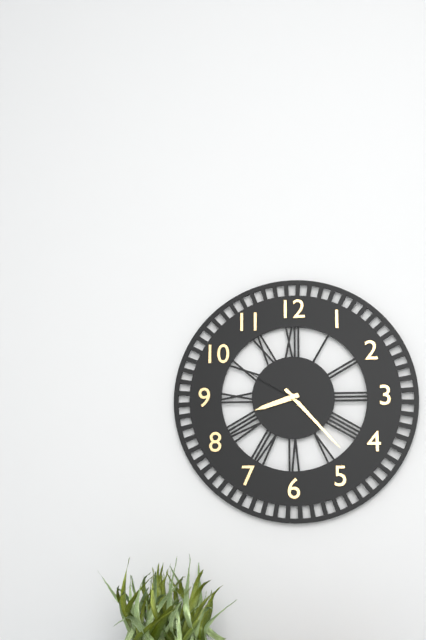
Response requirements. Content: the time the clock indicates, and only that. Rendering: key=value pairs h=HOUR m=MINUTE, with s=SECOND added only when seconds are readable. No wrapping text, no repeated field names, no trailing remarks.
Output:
h=8 m=23 s=50
